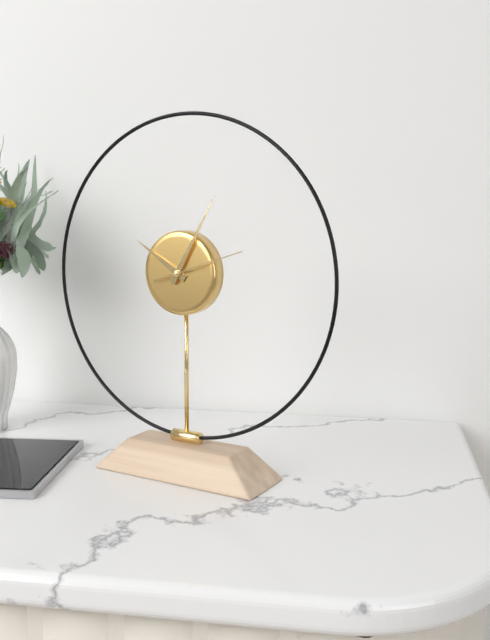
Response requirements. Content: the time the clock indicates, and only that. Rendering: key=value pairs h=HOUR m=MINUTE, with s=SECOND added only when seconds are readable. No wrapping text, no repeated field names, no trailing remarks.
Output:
h=10 m=5 s=12
